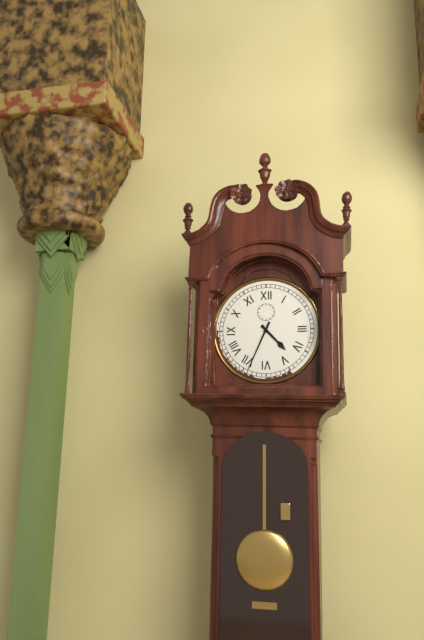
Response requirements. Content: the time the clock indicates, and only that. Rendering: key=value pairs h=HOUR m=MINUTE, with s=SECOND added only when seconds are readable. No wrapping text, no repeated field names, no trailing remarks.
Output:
h=4 m=34
